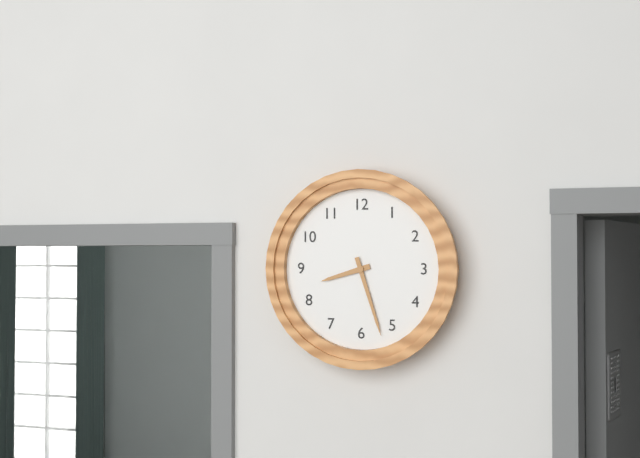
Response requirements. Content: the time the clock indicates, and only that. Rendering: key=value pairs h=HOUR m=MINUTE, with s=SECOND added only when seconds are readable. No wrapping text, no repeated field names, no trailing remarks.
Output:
h=8 m=27
